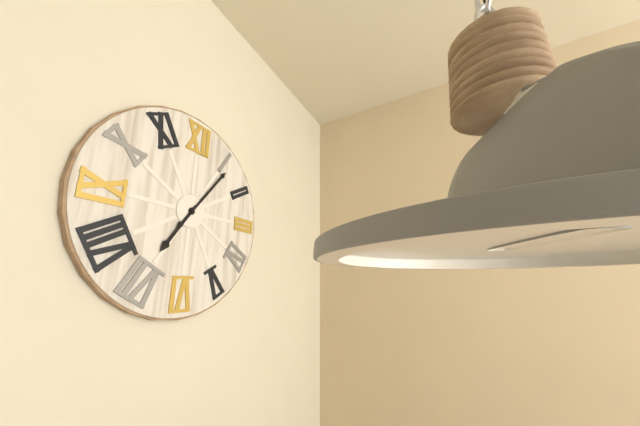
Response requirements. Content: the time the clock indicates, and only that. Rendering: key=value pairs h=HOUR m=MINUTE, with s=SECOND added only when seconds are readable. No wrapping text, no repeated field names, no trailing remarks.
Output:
h=7 m=6
